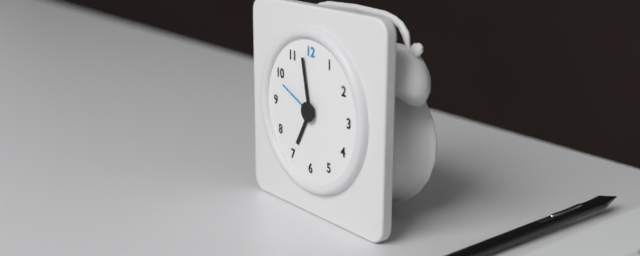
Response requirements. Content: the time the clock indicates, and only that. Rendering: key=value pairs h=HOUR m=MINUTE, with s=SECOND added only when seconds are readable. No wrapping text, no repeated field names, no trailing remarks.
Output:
h=6 m=58
